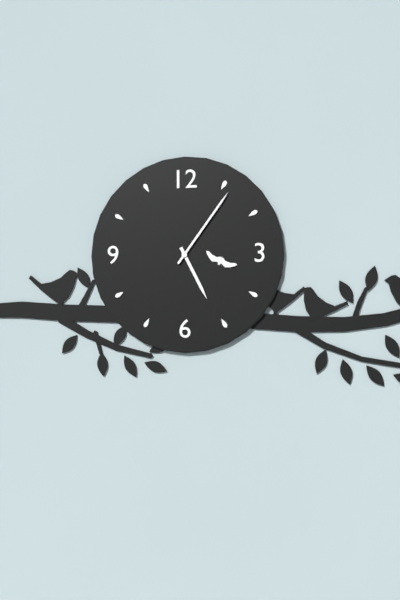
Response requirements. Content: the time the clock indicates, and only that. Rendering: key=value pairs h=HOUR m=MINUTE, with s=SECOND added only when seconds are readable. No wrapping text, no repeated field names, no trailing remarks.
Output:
h=5 m=6
